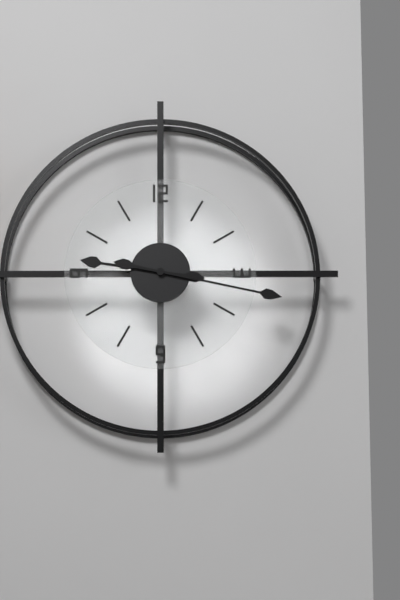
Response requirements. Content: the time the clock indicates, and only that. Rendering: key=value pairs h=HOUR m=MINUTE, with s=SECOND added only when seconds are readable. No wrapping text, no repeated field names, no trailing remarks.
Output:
h=9 m=17
